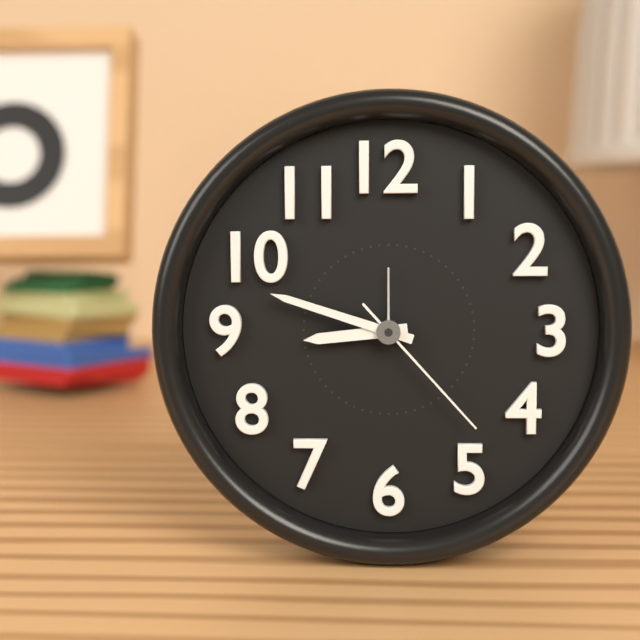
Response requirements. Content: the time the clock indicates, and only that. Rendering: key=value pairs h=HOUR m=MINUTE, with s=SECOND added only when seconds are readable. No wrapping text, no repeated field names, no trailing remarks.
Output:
h=8 m=48 s=23
